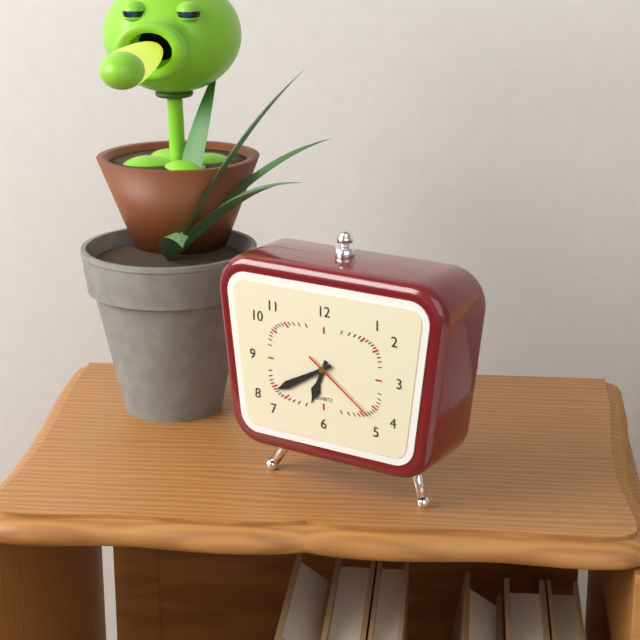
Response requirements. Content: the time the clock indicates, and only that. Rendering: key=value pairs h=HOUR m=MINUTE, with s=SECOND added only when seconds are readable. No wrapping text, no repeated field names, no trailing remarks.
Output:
h=6 m=40 s=21
